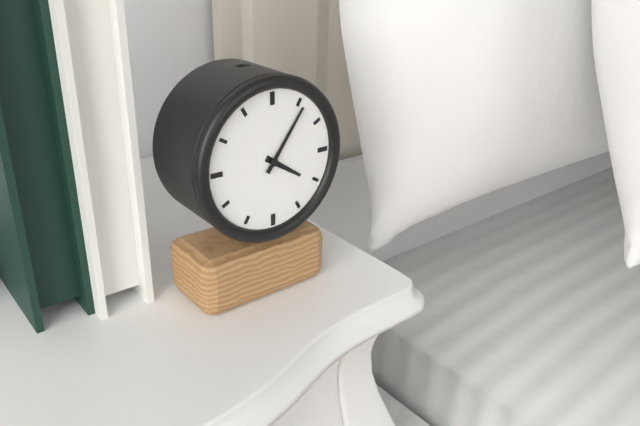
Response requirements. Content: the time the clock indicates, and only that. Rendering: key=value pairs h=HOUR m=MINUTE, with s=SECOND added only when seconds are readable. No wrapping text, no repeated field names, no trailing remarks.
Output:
h=4 m=6
